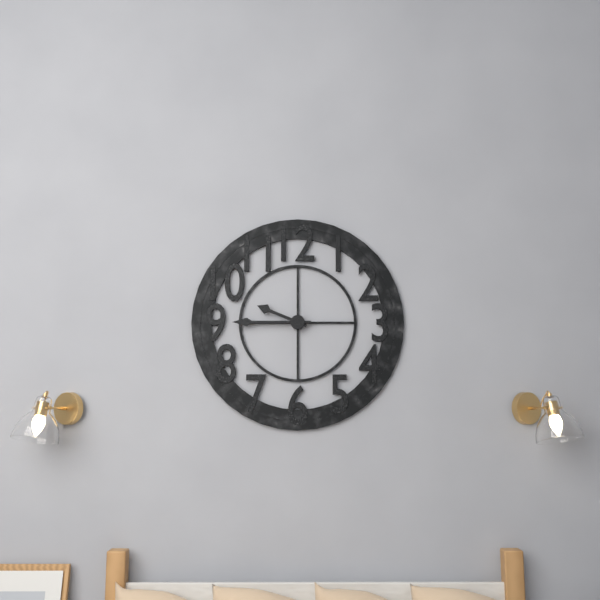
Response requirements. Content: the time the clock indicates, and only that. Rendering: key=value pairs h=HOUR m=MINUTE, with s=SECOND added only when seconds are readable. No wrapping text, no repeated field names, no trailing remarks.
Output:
h=9 m=45
